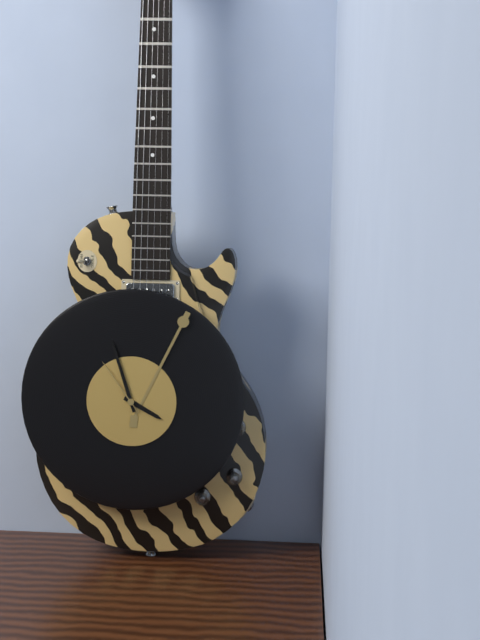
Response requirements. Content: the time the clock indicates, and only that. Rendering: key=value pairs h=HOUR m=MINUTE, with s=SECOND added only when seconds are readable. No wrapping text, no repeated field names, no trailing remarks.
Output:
h=3 m=57 s=54
